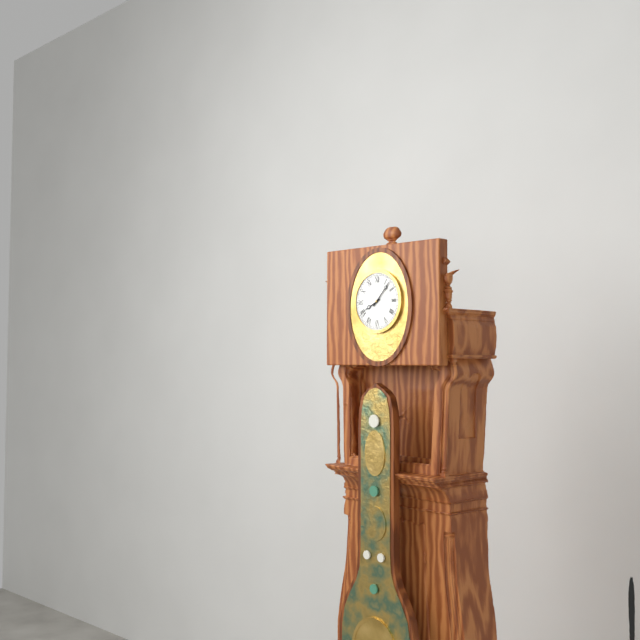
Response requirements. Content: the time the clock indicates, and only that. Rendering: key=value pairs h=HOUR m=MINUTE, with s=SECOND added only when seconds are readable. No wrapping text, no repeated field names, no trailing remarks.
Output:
h=8 m=7
